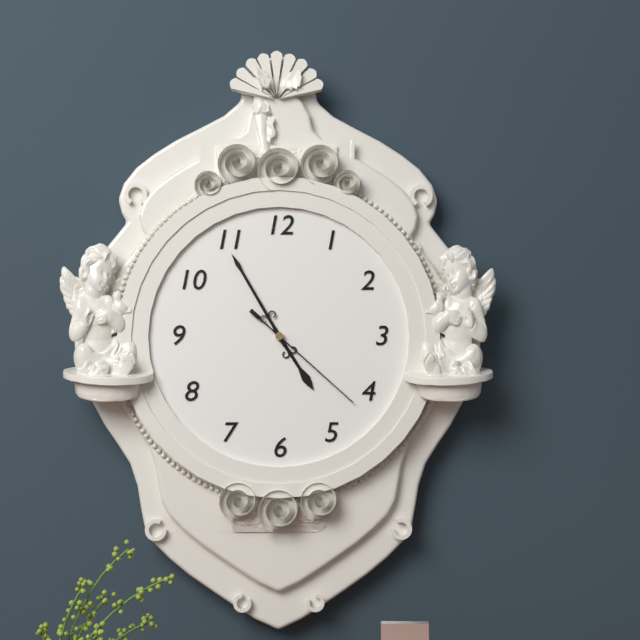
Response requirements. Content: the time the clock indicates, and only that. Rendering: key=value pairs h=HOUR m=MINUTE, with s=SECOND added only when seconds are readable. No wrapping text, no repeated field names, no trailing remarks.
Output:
h=4 m=55 s=22
